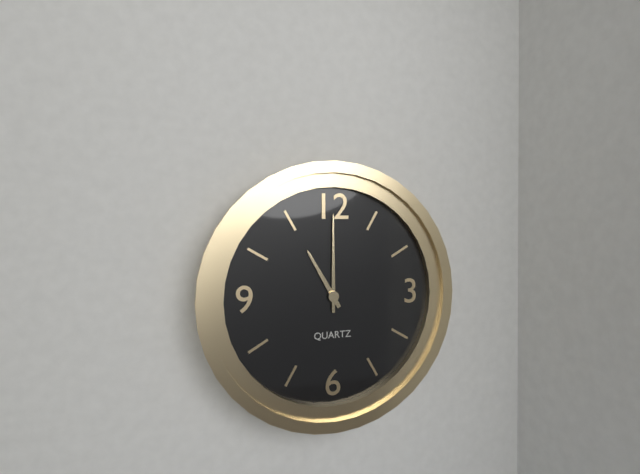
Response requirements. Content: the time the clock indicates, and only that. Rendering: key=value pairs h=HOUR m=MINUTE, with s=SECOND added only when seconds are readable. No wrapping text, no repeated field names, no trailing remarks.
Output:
h=11 m=0
